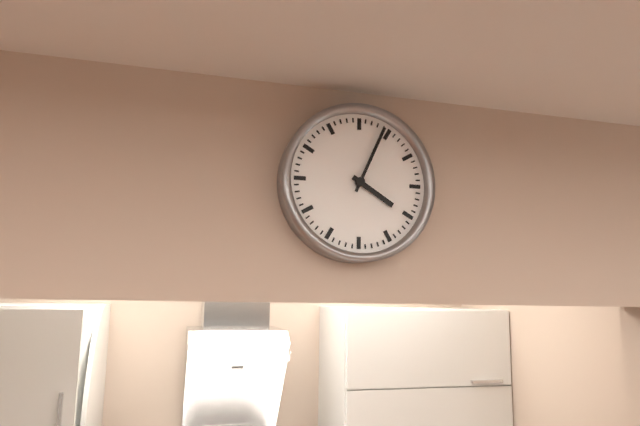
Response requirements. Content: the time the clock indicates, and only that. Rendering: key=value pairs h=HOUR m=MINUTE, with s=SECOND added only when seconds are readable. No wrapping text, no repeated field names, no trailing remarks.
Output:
h=4 m=4
